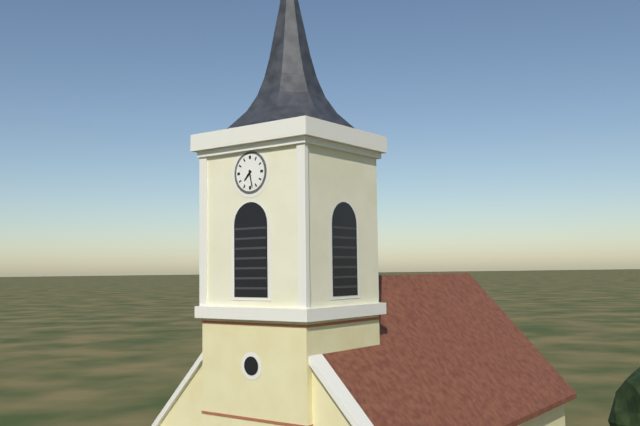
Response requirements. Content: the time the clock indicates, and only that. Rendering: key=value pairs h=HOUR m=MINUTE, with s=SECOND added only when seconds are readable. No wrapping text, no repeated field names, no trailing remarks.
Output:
h=7 m=28
